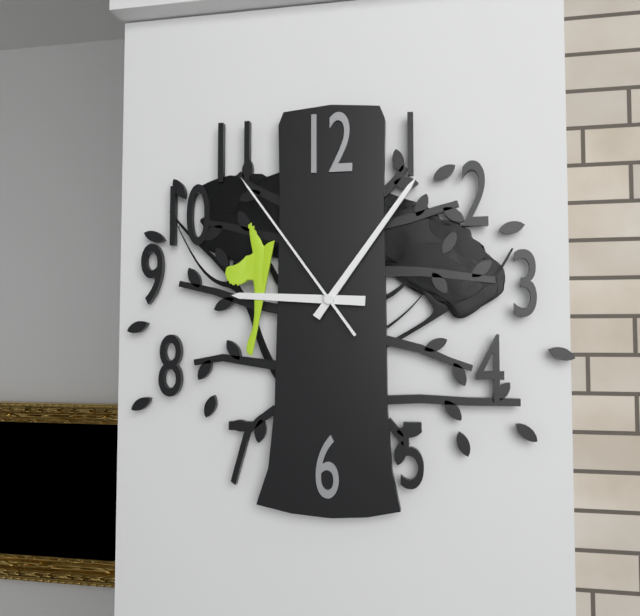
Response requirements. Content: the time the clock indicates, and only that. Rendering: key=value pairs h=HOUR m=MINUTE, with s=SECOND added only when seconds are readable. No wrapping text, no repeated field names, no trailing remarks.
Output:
h=9 m=6 s=54
